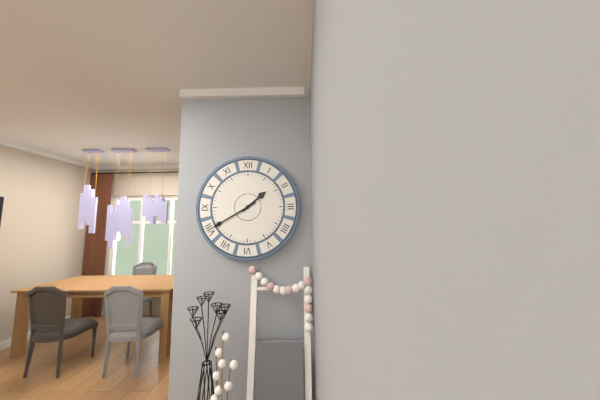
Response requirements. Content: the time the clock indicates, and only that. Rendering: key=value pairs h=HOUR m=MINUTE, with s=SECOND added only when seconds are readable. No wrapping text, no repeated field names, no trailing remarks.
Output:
h=1 m=40
